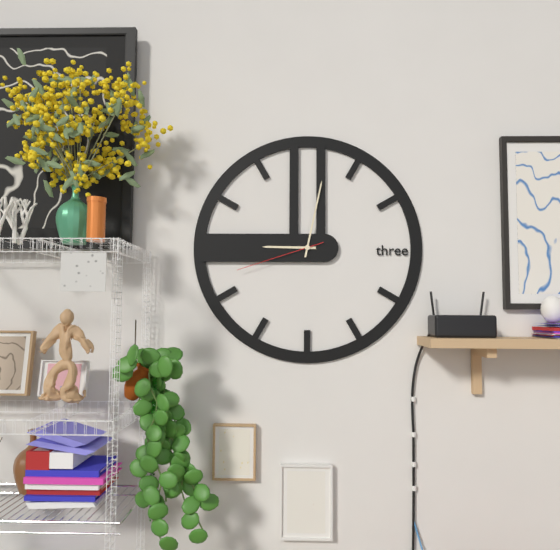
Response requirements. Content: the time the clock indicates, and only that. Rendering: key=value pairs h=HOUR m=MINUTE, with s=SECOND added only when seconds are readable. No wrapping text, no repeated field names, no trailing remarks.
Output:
h=9 m=2 s=42
